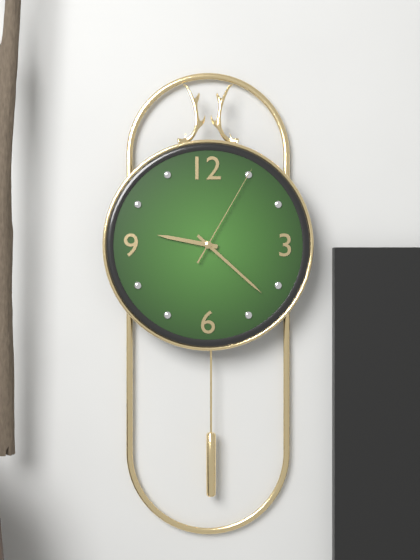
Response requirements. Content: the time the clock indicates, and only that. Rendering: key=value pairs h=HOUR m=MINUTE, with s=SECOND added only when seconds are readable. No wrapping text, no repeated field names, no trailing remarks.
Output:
h=9 m=22 s=5
